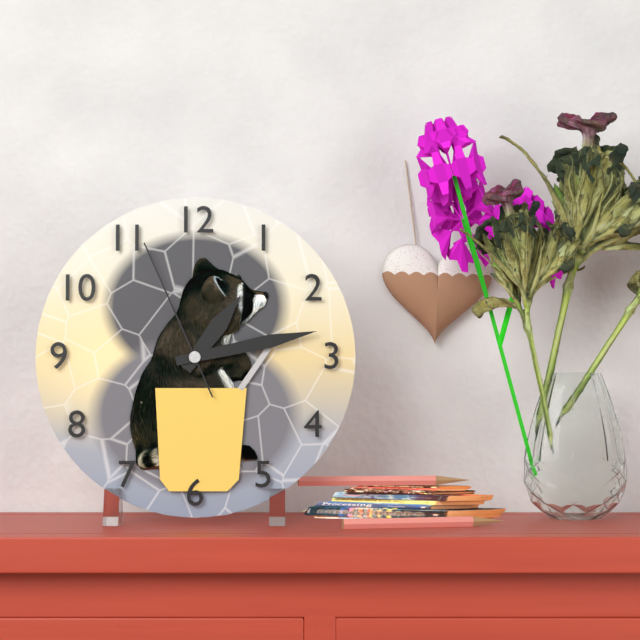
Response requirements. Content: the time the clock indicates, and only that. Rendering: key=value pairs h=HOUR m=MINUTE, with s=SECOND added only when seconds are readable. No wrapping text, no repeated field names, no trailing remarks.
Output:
h=1 m=13 s=56
